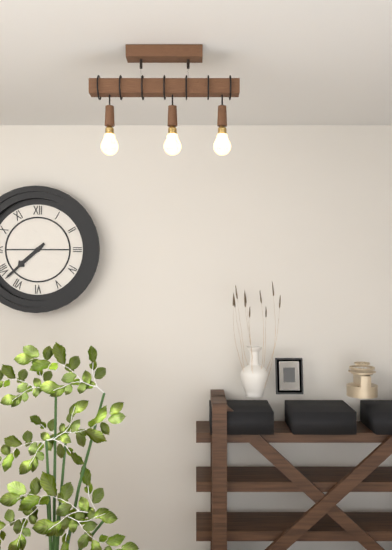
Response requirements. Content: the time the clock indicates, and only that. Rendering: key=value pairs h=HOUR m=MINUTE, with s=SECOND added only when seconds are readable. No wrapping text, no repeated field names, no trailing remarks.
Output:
h=7 m=38
